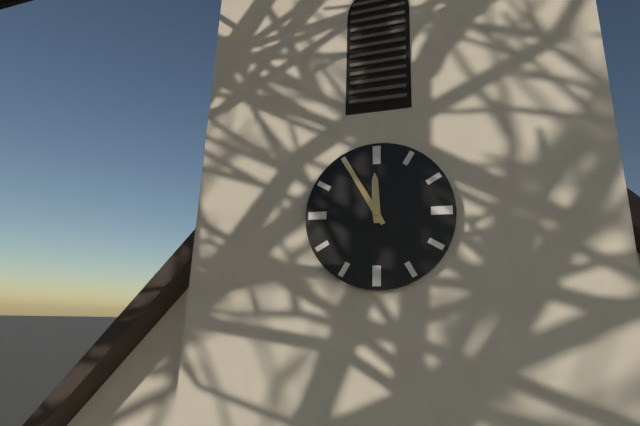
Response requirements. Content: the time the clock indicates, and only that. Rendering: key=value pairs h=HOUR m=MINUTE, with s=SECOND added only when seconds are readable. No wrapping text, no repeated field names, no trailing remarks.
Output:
h=11 m=55
